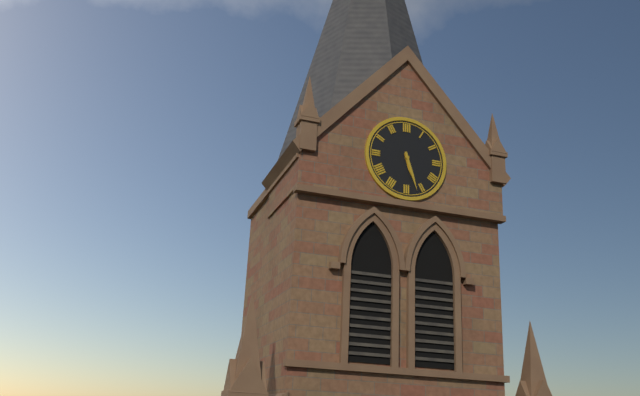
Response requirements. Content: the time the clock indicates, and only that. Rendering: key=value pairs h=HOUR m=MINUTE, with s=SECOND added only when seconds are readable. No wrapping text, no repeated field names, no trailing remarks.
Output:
h=5 m=27
